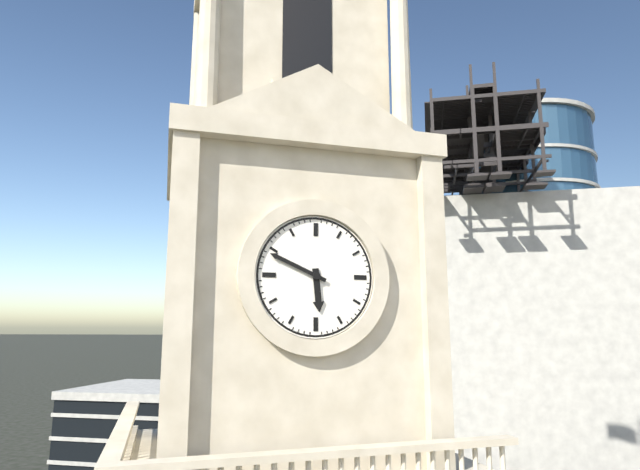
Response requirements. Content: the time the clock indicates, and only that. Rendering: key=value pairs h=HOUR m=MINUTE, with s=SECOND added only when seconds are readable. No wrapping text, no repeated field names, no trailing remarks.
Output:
h=5 m=49
